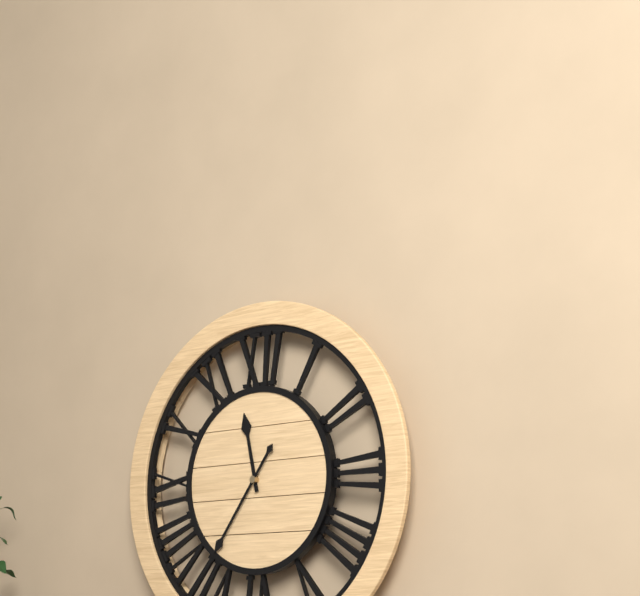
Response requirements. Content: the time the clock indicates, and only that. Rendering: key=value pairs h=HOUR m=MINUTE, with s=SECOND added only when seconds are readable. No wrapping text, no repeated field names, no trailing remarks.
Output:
h=11 m=36
